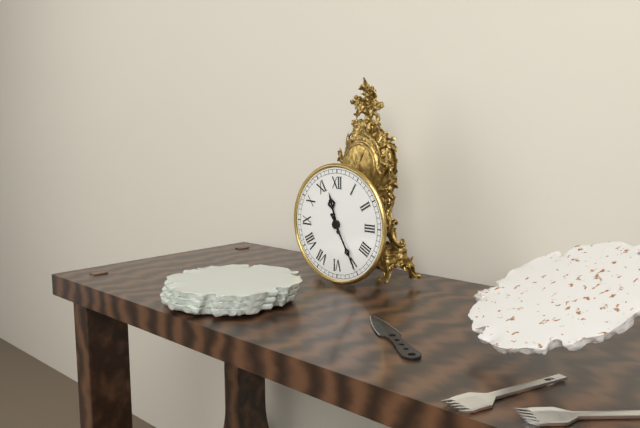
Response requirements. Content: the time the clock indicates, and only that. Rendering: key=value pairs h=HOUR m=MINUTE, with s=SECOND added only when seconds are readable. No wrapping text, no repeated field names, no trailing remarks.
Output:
h=11 m=25
